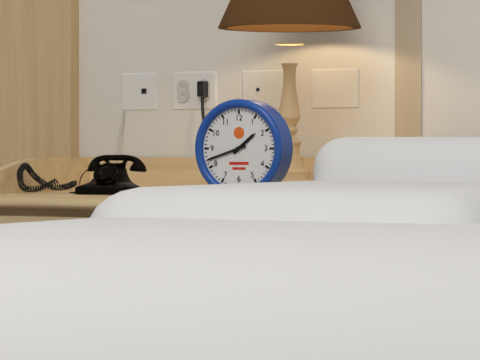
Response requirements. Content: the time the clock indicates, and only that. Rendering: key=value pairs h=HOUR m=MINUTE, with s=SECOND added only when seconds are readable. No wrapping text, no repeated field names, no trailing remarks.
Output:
h=1 m=42
